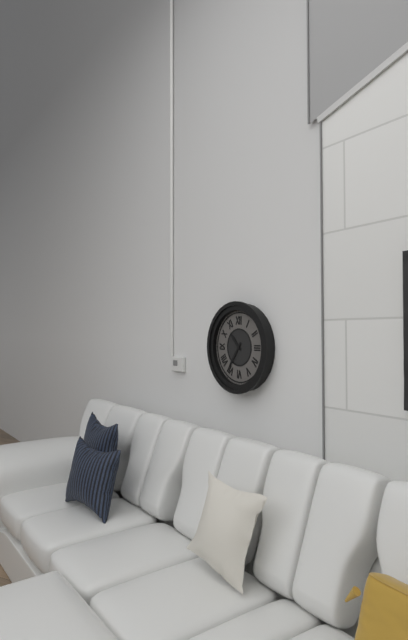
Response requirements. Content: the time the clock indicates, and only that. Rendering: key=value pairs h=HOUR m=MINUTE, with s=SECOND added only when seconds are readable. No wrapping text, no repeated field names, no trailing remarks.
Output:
h=10 m=36
